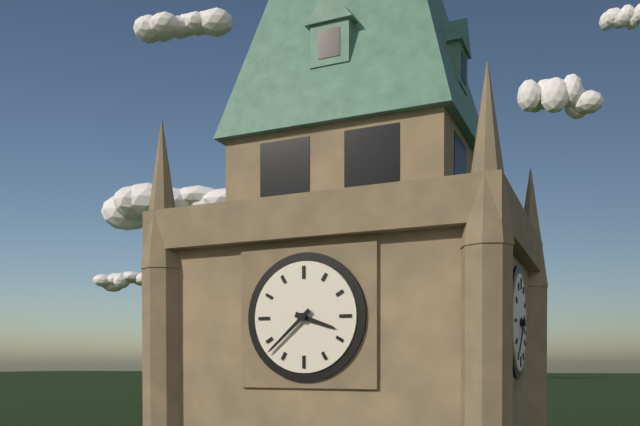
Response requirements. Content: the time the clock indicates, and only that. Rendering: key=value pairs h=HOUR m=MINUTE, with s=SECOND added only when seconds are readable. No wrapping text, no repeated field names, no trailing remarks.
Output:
h=3 m=38
